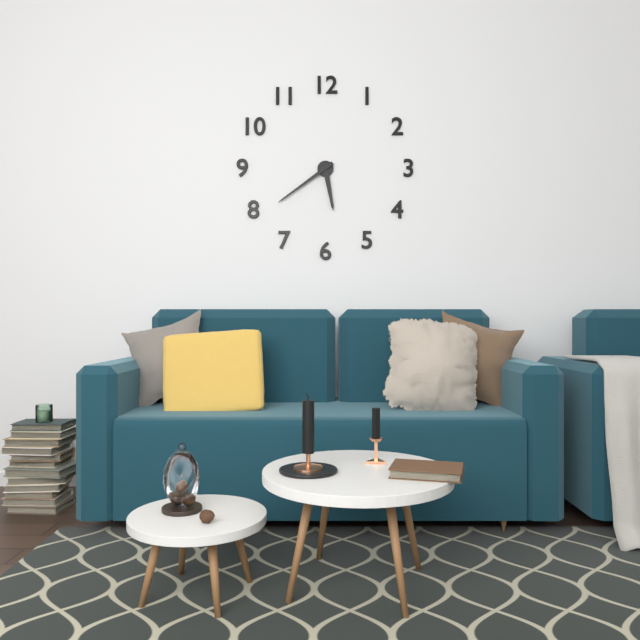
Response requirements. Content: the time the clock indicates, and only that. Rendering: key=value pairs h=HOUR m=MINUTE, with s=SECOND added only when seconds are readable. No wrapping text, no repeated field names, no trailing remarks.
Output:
h=5 m=39
